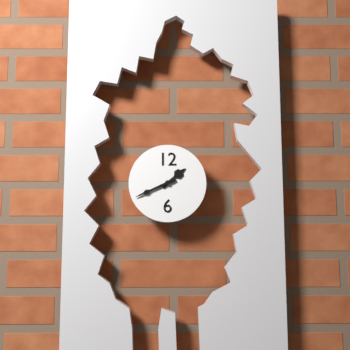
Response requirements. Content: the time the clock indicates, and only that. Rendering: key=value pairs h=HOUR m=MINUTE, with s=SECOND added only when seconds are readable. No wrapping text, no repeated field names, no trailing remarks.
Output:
h=1 m=41
